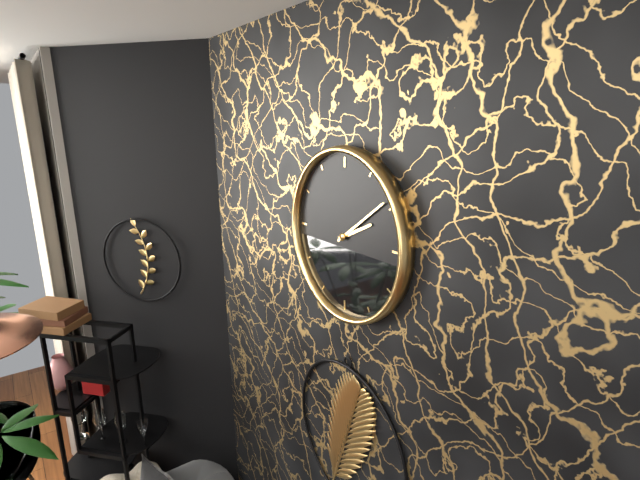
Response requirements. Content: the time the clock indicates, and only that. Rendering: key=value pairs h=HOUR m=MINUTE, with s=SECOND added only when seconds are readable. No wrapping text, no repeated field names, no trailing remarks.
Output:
h=2 m=9
